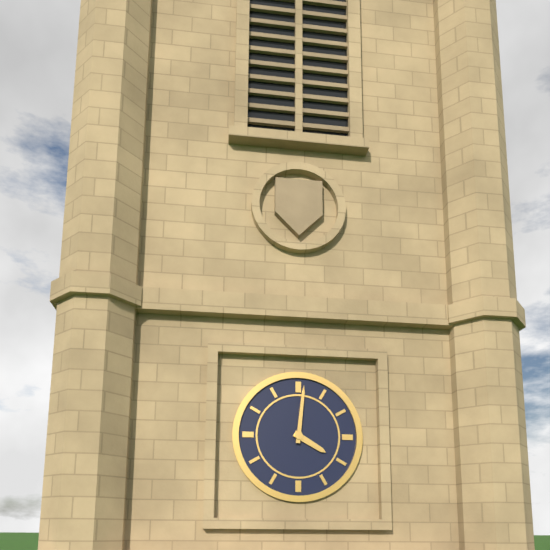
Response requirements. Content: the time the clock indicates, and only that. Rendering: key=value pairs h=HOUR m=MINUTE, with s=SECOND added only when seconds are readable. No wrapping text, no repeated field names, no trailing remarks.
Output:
h=4 m=1
